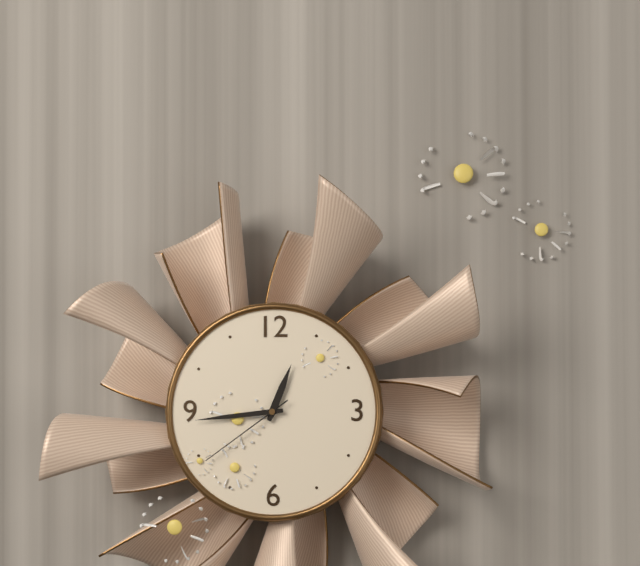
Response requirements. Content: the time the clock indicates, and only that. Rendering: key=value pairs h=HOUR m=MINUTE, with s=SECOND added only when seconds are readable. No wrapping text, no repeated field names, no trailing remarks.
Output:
h=12 m=44 s=39
